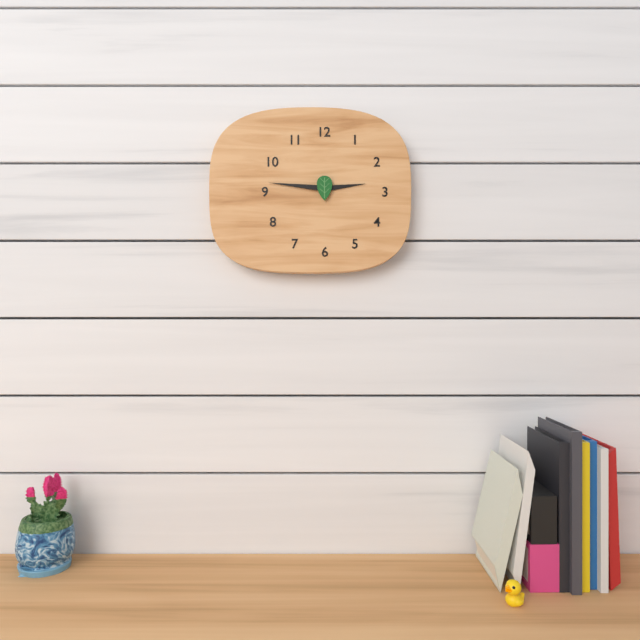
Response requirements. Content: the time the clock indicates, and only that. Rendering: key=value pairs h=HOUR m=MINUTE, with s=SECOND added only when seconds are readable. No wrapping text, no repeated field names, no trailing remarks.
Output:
h=2 m=46
